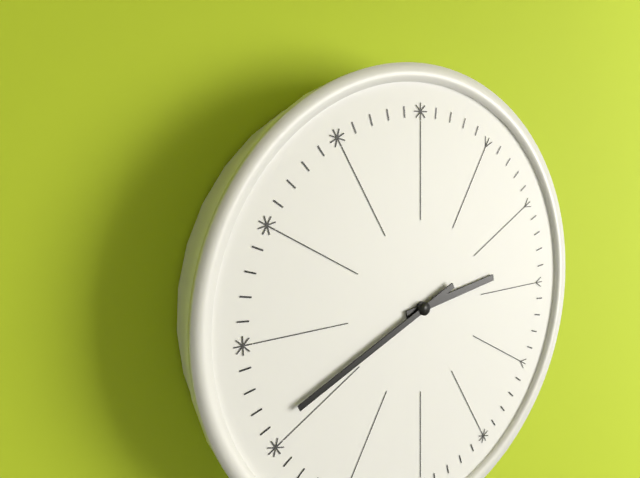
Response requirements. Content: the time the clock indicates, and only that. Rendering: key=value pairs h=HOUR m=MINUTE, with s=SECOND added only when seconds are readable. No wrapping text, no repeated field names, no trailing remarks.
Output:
h=2 m=41
